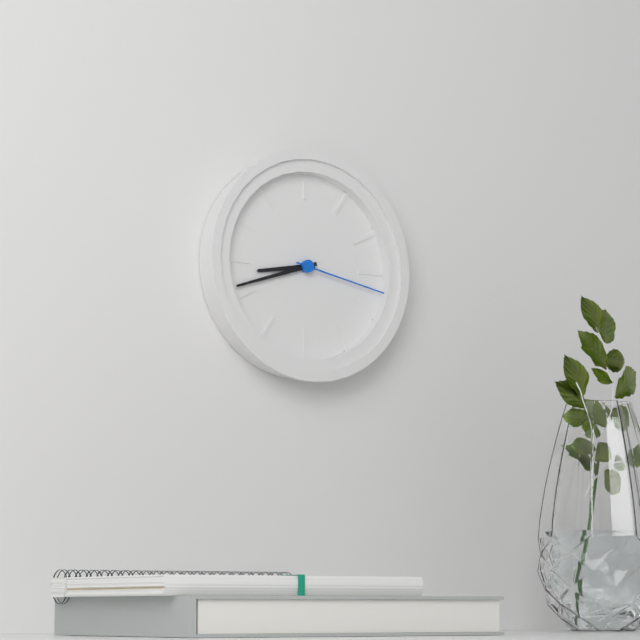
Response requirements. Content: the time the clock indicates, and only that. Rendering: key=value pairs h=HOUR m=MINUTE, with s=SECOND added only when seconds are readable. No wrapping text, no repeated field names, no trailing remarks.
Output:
h=8 m=42 s=17
